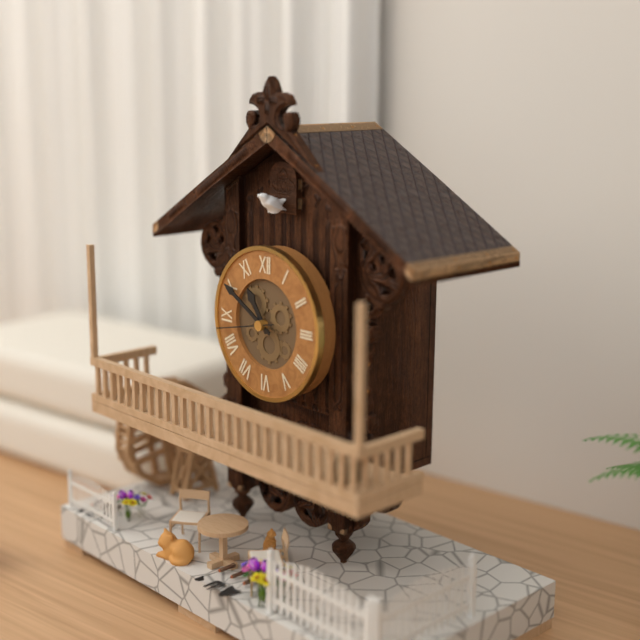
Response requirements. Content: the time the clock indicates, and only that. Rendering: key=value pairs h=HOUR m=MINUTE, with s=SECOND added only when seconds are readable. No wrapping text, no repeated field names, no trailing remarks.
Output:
h=10 m=50 s=43
